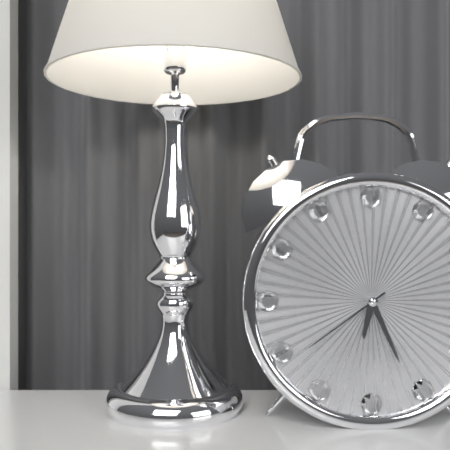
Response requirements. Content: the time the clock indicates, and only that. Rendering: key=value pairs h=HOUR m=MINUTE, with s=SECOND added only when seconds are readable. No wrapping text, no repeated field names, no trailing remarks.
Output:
h=6 m=26 s=39
